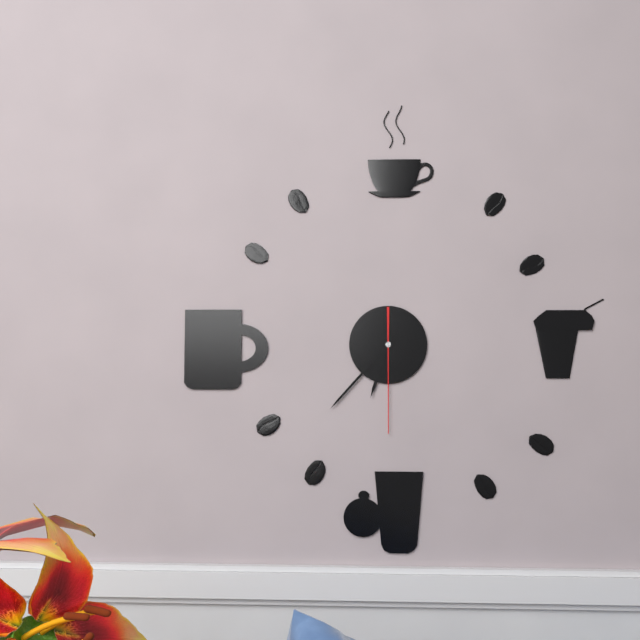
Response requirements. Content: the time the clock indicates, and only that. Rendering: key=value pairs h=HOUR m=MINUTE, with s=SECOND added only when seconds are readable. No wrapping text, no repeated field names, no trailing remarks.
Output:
h=6 m=37 s=30
